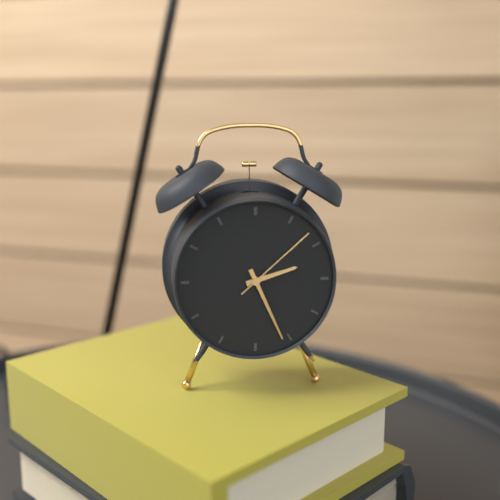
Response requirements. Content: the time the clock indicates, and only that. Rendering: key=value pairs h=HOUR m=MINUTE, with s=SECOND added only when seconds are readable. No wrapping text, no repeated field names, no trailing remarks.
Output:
h=2 m=26 s=8
